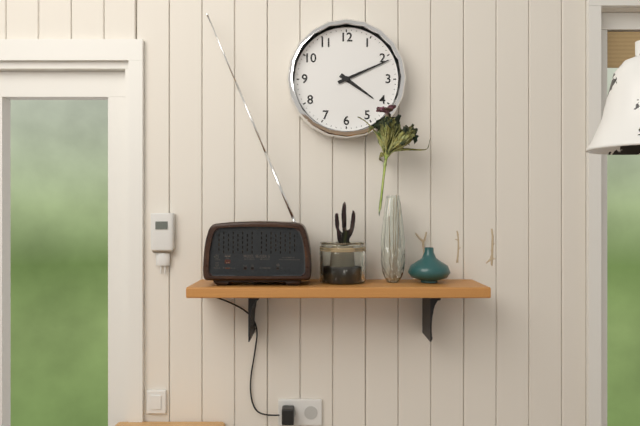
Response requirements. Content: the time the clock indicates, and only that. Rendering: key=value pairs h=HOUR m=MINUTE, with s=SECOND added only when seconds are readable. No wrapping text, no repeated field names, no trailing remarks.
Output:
h=4 m=11
